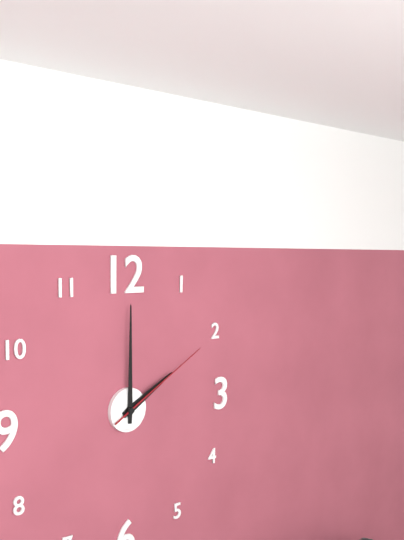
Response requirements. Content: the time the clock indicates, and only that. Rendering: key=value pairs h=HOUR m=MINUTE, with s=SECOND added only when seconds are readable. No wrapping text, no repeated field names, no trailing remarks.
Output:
h=2 m=0 s=10
